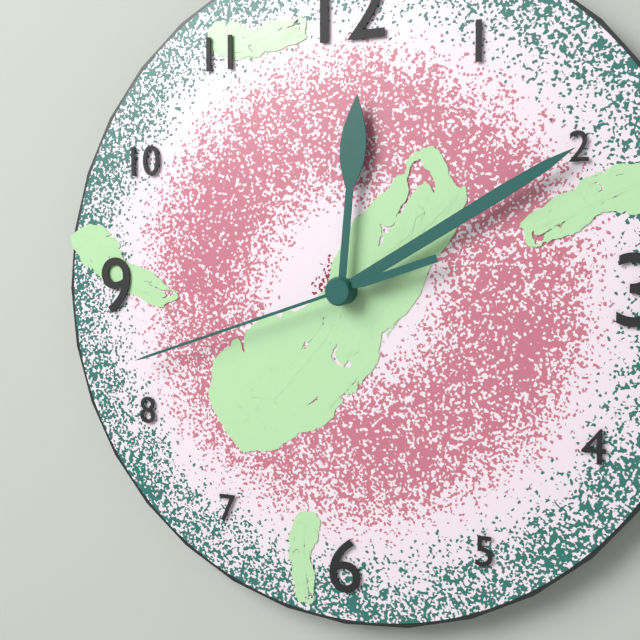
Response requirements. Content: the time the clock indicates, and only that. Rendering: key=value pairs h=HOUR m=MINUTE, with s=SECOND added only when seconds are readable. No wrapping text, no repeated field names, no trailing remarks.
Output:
h=12 m=10 s=42
